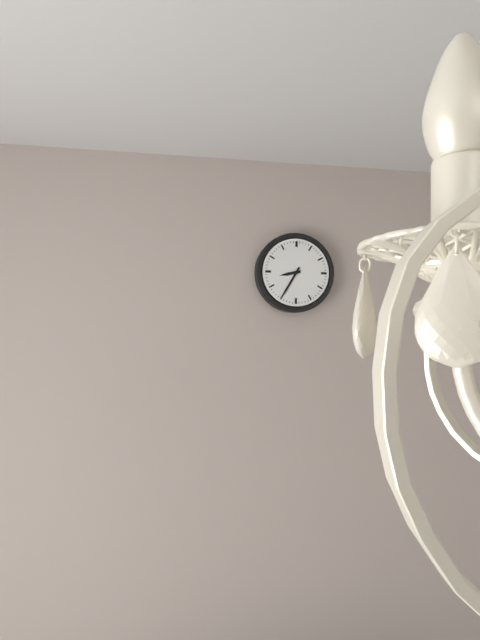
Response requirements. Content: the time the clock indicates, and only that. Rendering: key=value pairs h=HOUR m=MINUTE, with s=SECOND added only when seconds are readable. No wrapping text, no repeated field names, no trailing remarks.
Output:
h=8 m=35
